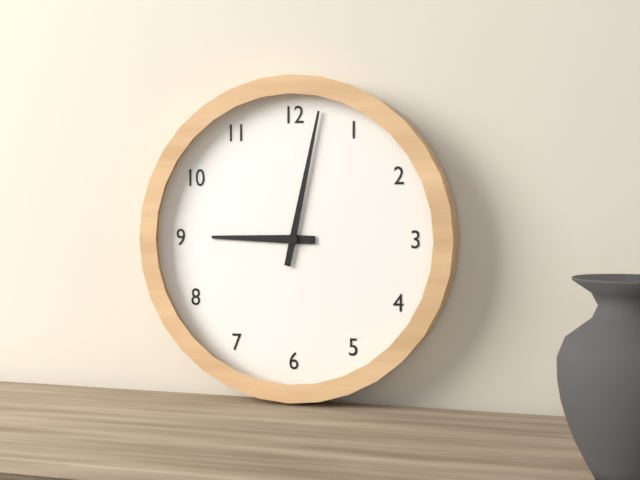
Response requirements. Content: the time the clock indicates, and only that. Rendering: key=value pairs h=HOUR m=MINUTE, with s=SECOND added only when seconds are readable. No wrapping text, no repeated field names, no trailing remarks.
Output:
h=9 m=2
